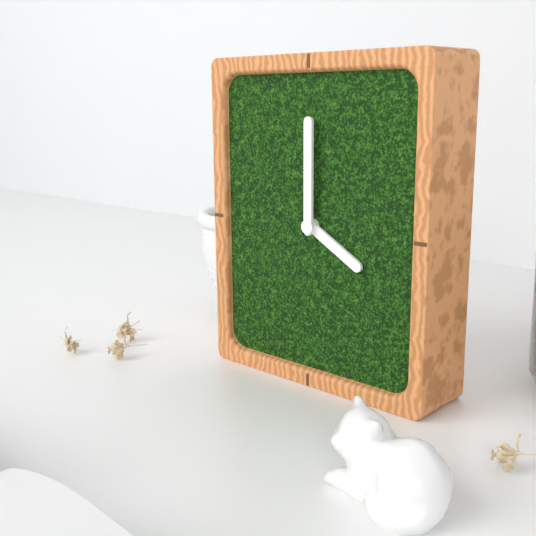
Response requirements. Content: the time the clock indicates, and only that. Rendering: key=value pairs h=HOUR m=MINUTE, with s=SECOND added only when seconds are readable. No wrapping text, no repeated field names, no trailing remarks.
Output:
h=4 m=0
